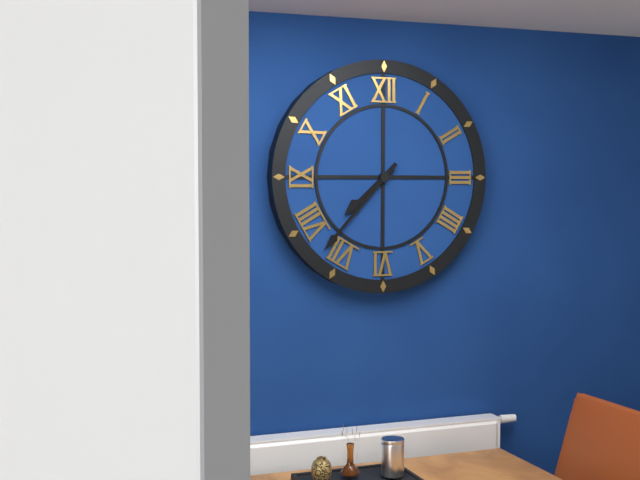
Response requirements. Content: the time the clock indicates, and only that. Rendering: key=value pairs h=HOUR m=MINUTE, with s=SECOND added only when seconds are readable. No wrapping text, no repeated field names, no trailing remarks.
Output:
h=7 m=37
